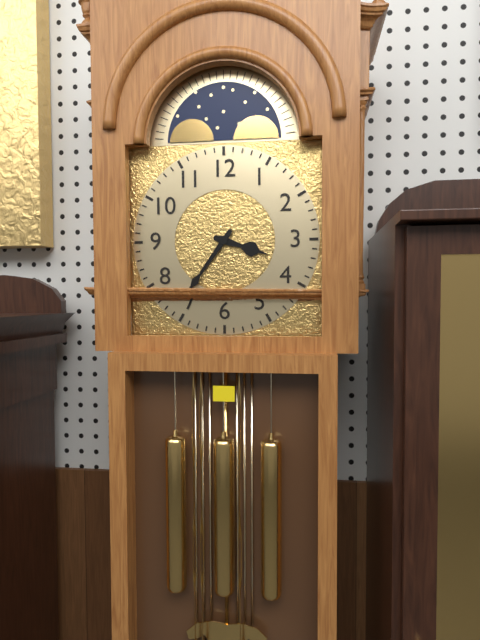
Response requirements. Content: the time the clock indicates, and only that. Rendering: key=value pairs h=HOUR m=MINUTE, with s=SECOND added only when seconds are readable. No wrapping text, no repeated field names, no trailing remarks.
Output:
h=3 m=36
